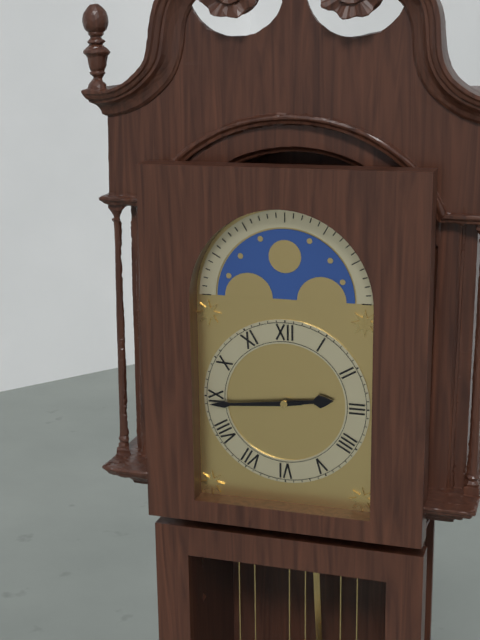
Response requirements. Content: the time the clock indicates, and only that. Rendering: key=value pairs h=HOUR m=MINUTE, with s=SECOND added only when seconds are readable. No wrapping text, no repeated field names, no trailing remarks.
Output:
h=2 m=44
